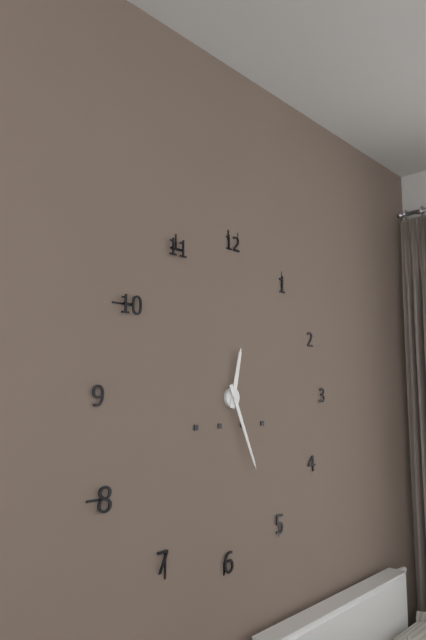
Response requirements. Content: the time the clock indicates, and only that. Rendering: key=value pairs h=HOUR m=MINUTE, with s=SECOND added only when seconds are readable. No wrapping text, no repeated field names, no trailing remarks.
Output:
h=12 m=26
